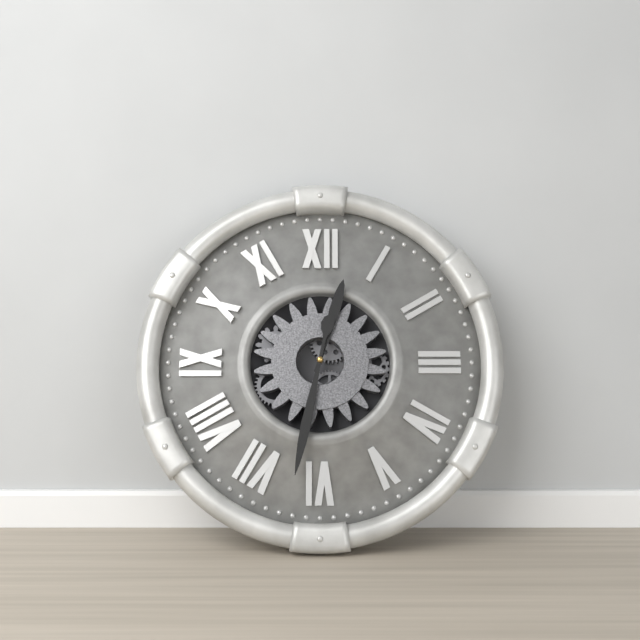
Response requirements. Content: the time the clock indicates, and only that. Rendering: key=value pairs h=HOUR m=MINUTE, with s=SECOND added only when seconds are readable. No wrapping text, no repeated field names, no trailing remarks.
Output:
h=12 m=32
